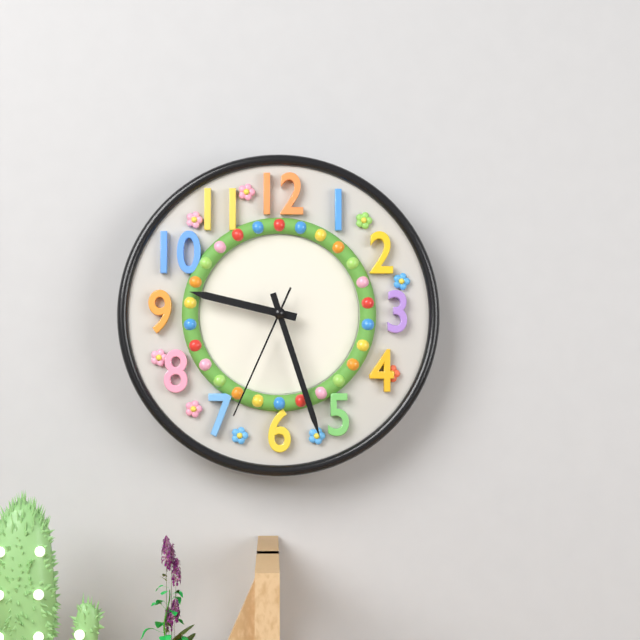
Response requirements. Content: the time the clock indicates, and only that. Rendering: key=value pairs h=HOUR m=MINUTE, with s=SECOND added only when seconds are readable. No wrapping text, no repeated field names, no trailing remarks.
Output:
h=9 m=27 s=34
